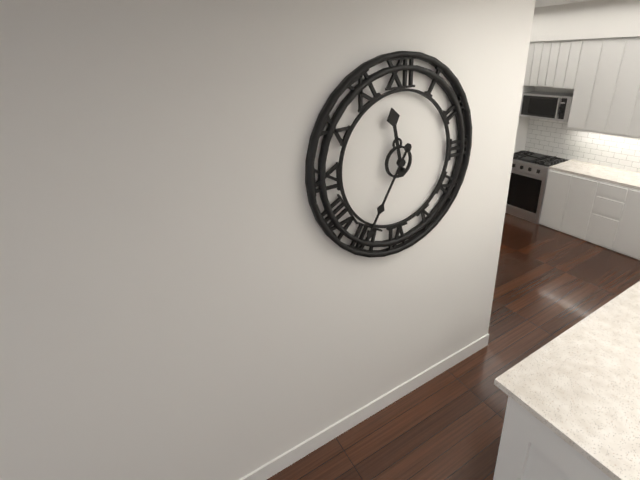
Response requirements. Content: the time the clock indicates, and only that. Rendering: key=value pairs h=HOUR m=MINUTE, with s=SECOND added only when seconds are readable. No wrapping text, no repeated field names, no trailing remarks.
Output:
h=11 m=35
